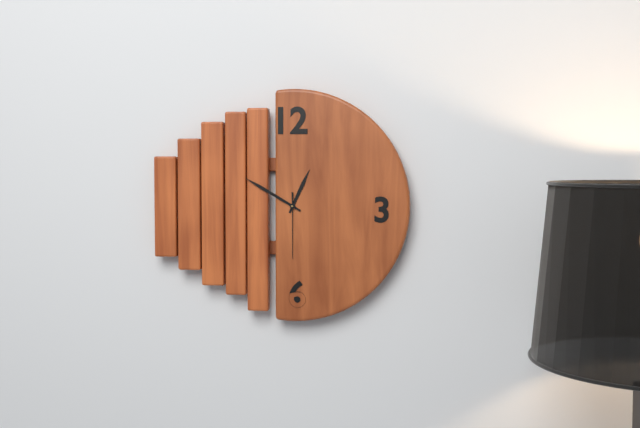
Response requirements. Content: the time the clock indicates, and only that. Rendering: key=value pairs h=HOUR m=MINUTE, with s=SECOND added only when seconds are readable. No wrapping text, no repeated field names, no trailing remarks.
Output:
h=12 m=50 s=30
